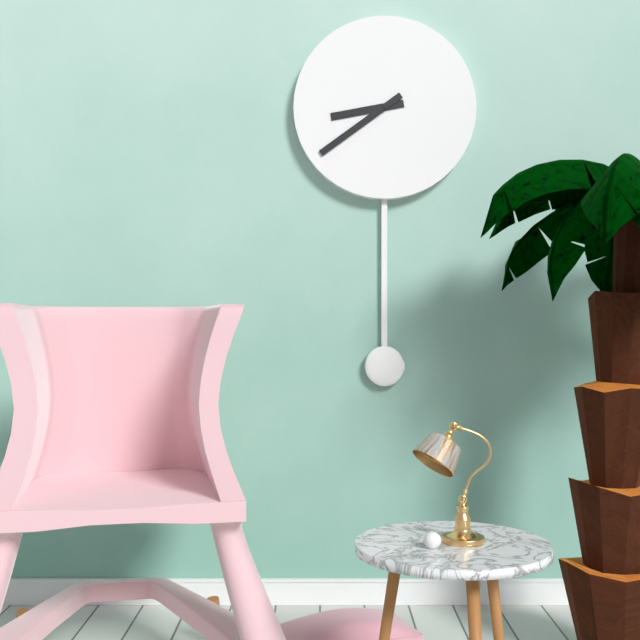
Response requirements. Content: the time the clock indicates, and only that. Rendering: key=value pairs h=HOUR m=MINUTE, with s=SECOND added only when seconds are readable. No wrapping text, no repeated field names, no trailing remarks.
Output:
h=8 m=39
